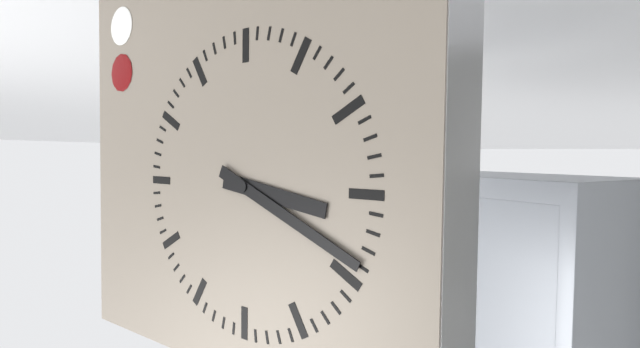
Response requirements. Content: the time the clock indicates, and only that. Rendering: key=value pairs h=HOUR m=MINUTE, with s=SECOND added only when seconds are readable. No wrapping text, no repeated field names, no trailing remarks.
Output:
h=3 m=19
